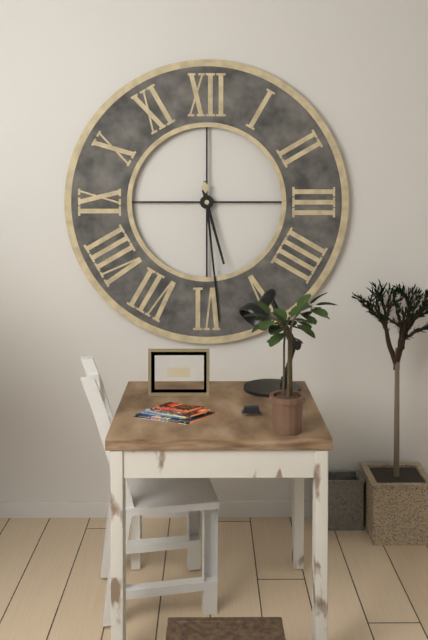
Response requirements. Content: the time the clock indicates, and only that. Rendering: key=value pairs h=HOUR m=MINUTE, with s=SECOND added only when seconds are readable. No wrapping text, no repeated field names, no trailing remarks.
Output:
h=5 m=29
